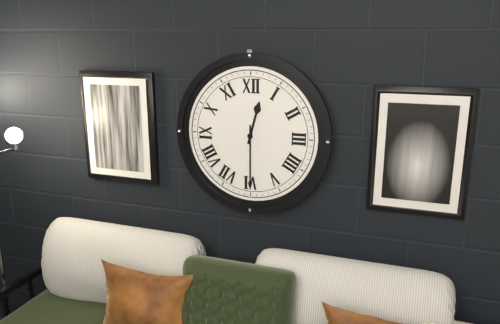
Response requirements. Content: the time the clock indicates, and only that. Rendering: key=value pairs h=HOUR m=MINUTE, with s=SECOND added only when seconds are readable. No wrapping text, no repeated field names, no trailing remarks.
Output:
h=12 m=30
